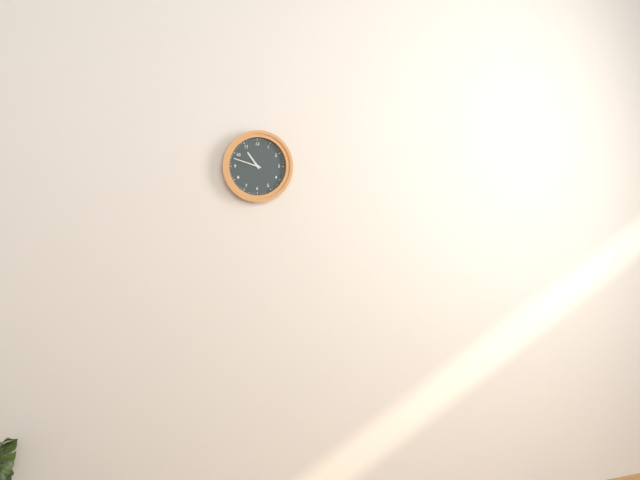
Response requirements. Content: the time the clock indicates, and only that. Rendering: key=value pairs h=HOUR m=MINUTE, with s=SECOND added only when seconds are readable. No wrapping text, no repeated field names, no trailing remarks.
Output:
h=10 m=48
